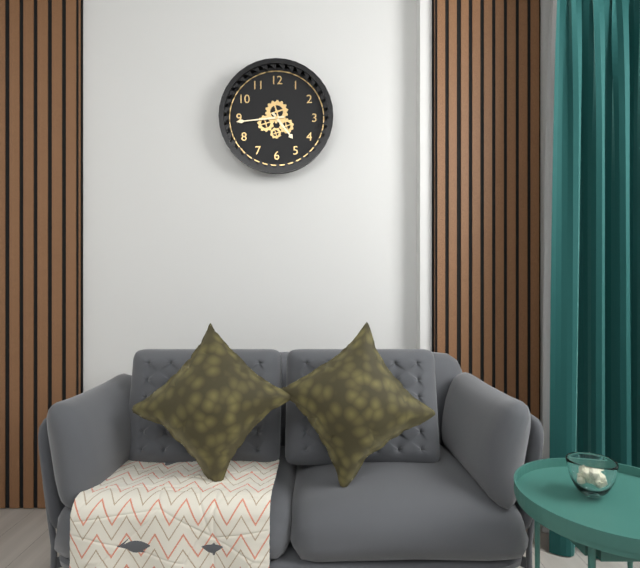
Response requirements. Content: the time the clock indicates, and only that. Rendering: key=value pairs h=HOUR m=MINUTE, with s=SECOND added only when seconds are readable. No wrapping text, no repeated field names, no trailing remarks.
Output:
h=4 m=44
